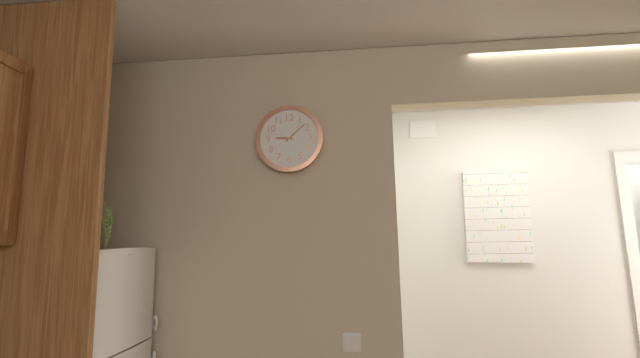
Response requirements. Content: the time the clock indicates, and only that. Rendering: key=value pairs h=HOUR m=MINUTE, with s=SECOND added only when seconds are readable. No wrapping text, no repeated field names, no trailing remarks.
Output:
h=9 m=8
